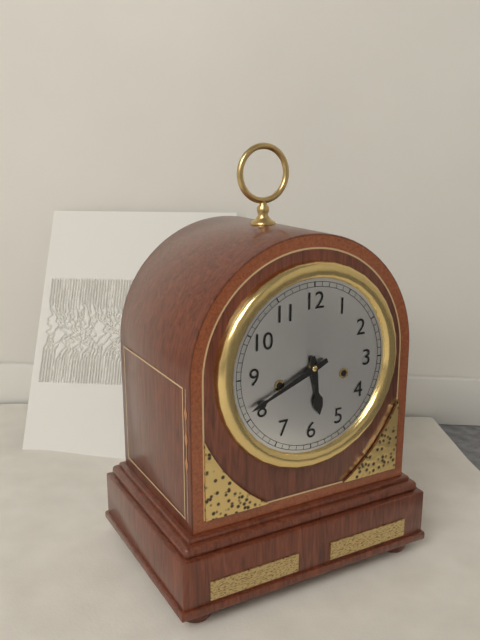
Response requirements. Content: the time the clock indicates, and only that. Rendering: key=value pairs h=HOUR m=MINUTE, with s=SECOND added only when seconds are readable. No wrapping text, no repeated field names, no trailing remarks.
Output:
h=5 m=41
